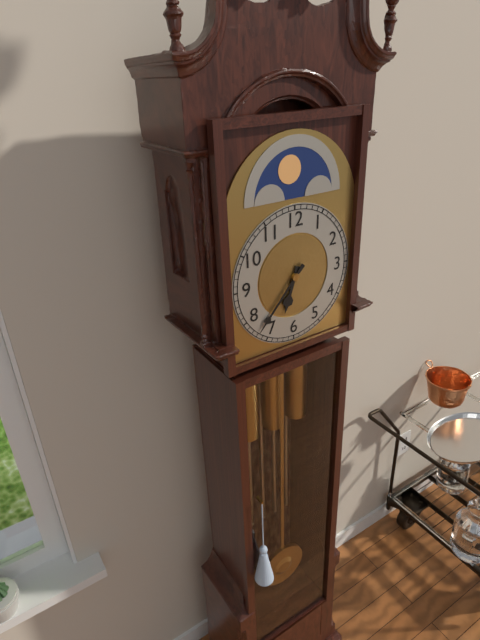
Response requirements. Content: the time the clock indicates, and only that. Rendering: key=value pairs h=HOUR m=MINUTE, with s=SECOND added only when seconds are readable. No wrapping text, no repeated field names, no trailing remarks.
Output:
h=6 m=37
